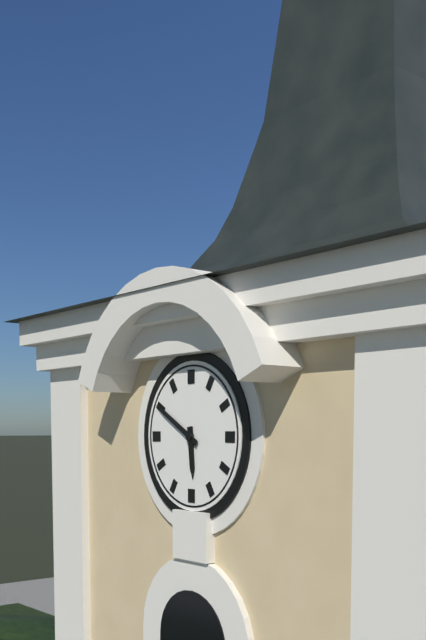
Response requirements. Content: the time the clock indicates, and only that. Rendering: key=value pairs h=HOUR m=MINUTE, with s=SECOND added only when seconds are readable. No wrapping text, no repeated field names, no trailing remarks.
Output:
h=5 m=50
